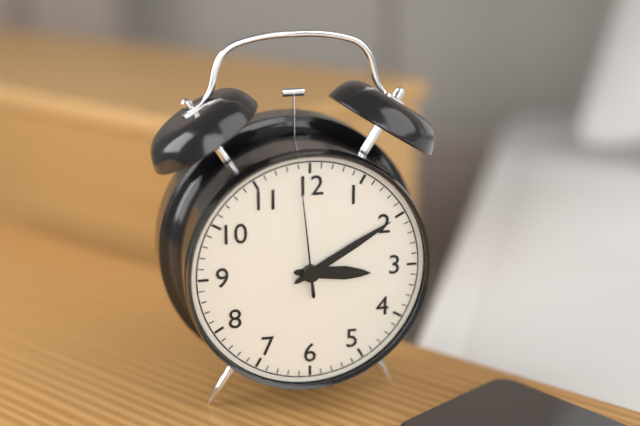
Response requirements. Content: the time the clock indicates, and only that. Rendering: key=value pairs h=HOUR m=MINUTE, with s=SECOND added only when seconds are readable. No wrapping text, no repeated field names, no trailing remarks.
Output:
h=3 m=10 s=59
